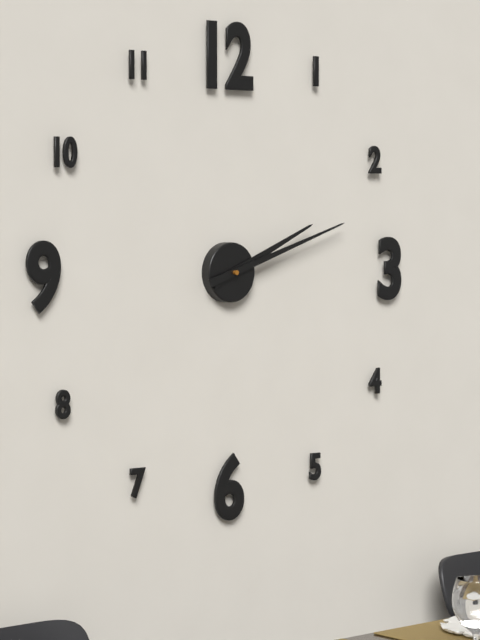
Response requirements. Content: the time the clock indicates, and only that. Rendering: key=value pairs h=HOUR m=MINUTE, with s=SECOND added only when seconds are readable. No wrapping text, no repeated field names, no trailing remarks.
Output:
h=2 m=12
